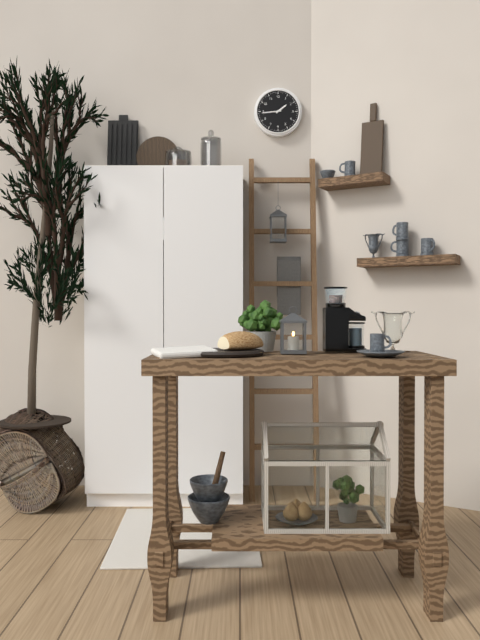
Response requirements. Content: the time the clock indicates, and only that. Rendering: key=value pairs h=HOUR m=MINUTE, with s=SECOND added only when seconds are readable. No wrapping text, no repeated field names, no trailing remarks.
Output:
h=1 m=44
